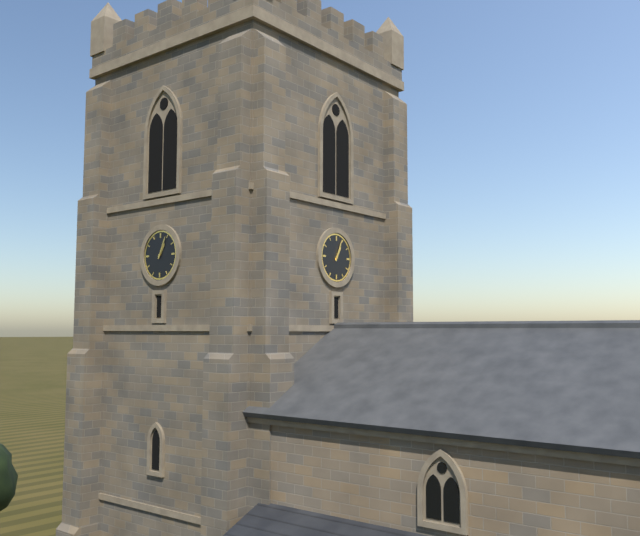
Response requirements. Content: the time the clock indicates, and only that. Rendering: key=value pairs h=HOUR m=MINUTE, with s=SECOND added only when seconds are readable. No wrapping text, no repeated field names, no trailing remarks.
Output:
h=1 m=4
